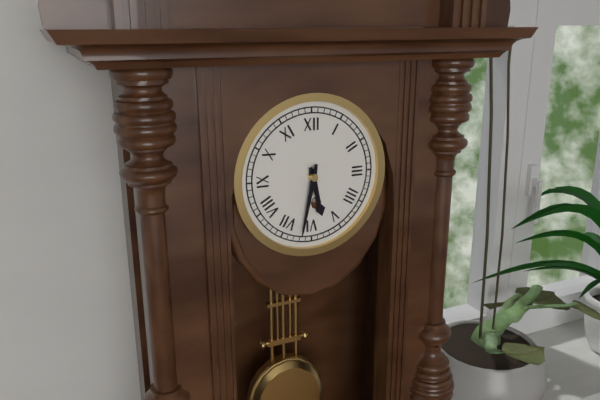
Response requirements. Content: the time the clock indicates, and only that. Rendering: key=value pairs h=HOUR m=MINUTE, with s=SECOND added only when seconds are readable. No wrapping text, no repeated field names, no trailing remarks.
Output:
h=5 m=32
